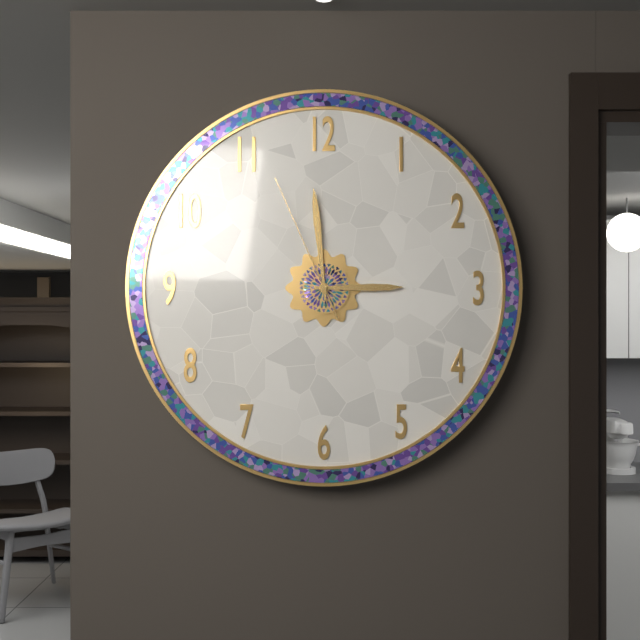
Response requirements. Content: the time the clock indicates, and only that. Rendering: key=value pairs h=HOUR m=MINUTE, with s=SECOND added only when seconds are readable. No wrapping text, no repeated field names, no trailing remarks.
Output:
h=2 m=59 s=56
